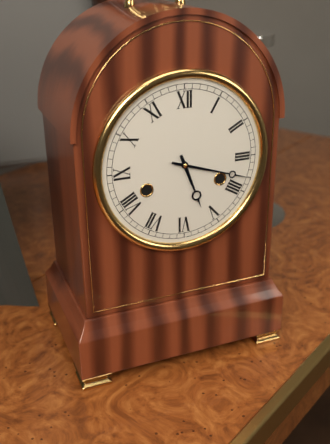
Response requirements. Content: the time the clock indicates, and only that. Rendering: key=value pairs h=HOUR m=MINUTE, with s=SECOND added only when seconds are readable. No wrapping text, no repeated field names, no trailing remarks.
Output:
h=5 m=18
